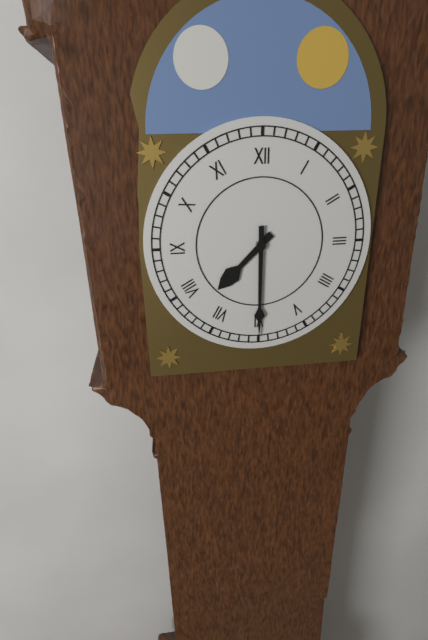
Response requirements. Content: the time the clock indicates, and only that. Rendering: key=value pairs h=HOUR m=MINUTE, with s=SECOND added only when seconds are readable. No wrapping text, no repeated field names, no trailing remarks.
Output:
h=7 m=30
